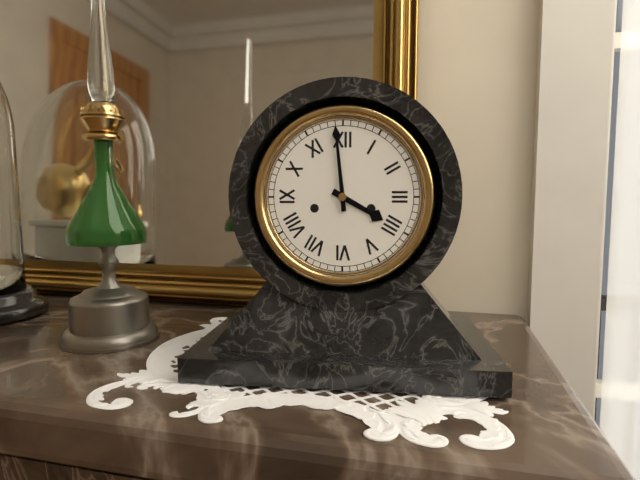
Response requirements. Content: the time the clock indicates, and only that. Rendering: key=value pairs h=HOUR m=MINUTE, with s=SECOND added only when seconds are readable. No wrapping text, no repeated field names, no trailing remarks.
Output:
h=3 m=59
